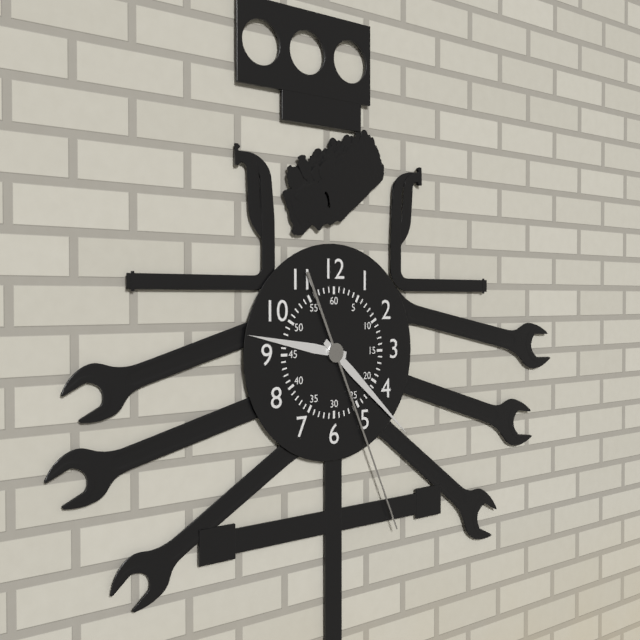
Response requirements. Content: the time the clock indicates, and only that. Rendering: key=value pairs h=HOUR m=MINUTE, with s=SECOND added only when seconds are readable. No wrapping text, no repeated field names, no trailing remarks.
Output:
h=9 m=22 s=26
